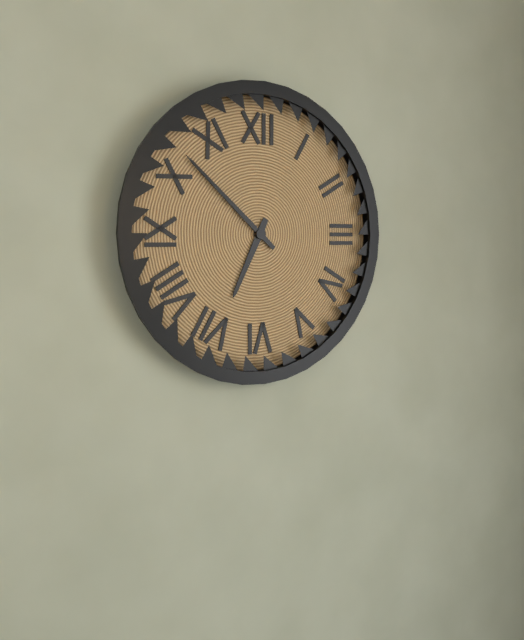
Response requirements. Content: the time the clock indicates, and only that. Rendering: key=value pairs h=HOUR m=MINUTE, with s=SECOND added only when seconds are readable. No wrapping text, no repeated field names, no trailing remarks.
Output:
h=6 m=52
